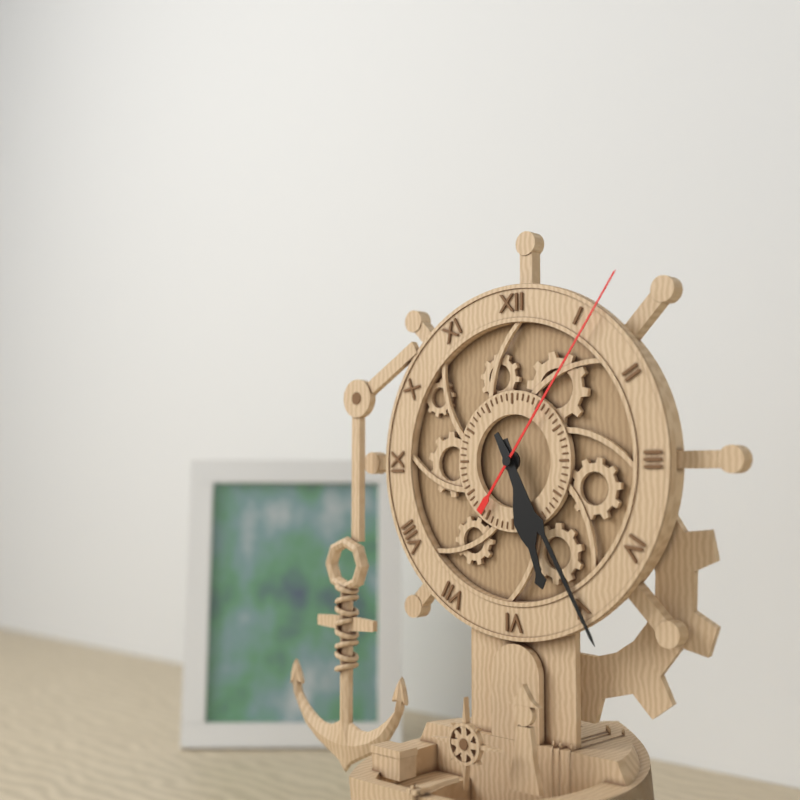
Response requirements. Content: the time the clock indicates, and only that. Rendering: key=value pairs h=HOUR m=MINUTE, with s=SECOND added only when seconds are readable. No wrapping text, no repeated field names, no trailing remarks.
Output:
h=5 m=25 s=6
